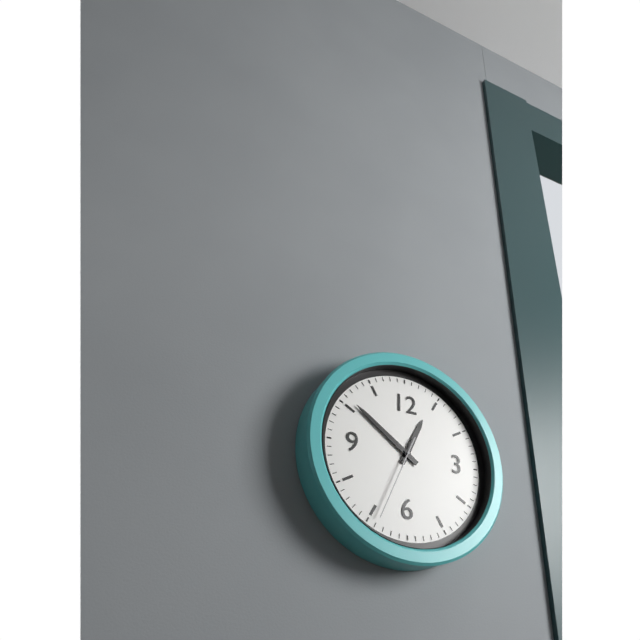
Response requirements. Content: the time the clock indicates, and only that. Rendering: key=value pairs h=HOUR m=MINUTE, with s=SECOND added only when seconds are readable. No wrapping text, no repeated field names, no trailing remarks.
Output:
h=12 m=51 s=34
